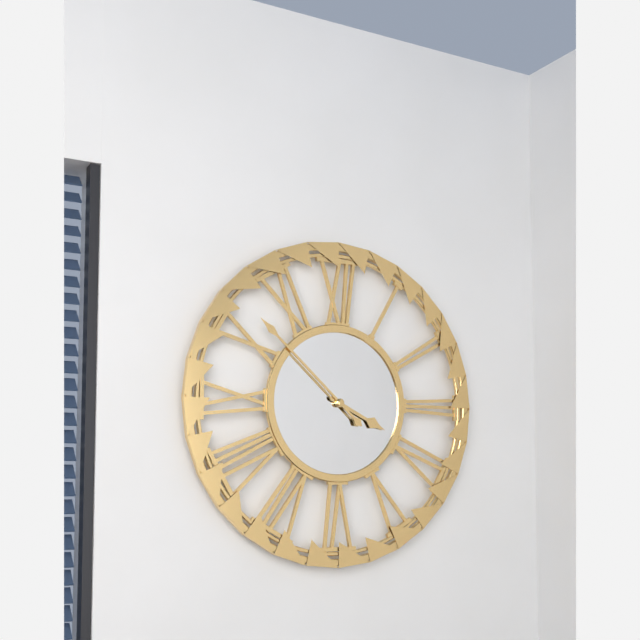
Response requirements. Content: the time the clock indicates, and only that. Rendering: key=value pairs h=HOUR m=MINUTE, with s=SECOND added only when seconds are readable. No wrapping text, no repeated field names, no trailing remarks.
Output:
h=3 m=52
